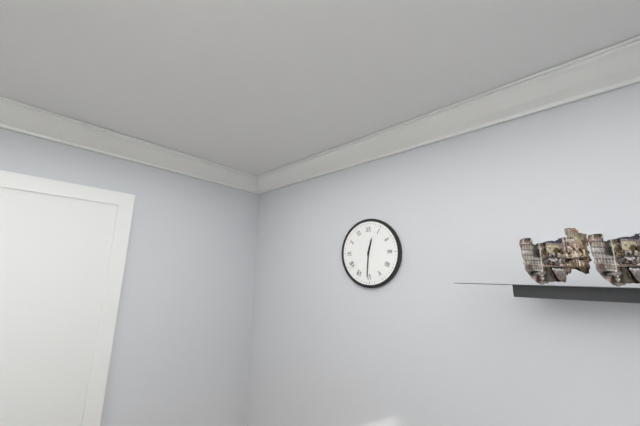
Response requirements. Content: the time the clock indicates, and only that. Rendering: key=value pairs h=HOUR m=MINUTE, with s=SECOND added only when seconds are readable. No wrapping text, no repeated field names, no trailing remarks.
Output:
h=12 m=31
